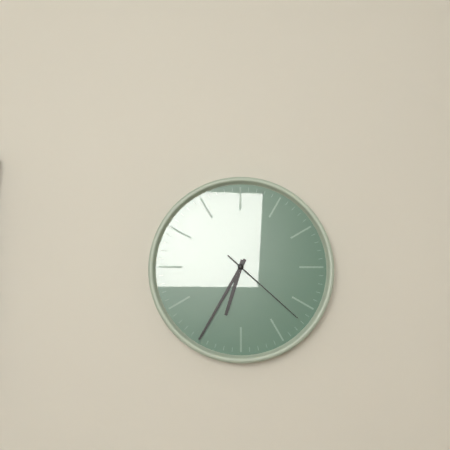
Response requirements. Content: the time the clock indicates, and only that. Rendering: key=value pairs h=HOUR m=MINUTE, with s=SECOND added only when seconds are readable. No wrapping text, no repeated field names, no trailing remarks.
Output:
h=6 m=35 s=22
